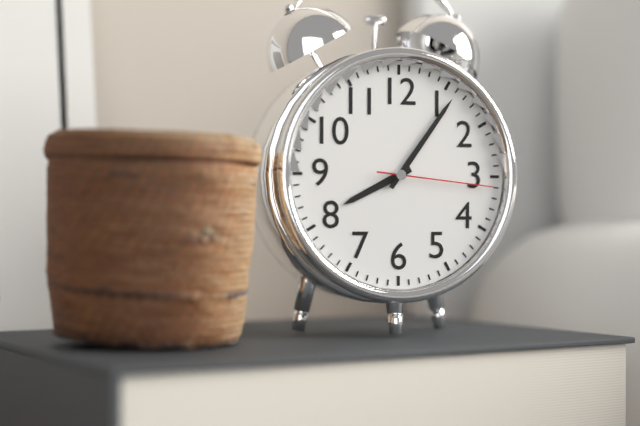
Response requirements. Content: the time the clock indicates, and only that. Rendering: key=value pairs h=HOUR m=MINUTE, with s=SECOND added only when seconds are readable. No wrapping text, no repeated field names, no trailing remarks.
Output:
h=8 m=6 s=16
